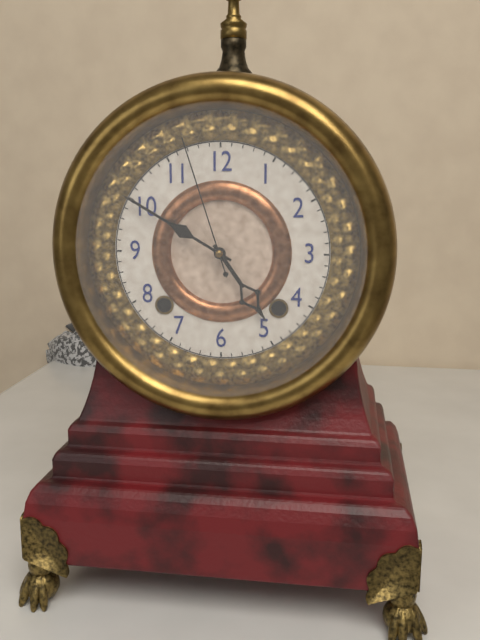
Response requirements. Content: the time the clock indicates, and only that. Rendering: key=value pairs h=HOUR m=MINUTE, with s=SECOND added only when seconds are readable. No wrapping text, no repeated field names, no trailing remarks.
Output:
h=4 m=50 s=57
